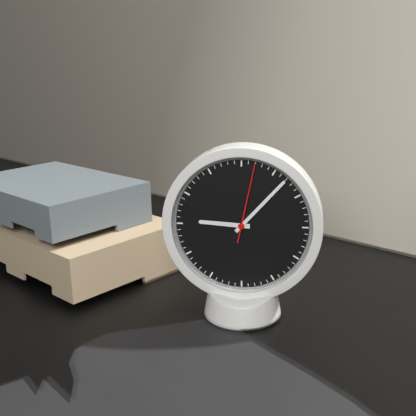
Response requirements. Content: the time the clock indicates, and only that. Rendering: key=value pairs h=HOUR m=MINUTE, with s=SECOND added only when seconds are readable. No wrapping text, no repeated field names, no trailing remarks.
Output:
h=9 m=7 s=2
